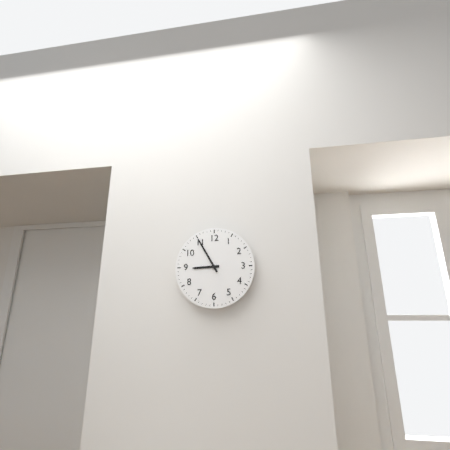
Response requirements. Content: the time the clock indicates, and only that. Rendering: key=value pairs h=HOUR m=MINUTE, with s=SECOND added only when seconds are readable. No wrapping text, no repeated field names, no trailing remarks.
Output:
h=8 m=55
